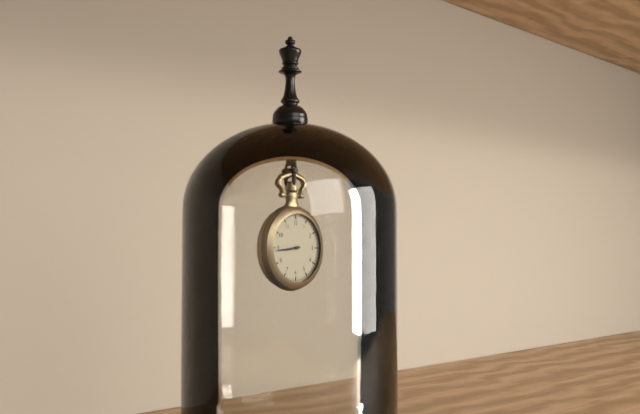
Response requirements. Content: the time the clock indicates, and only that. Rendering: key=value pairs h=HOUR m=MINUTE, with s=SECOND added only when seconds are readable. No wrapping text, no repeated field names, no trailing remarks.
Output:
h=8 m=44
